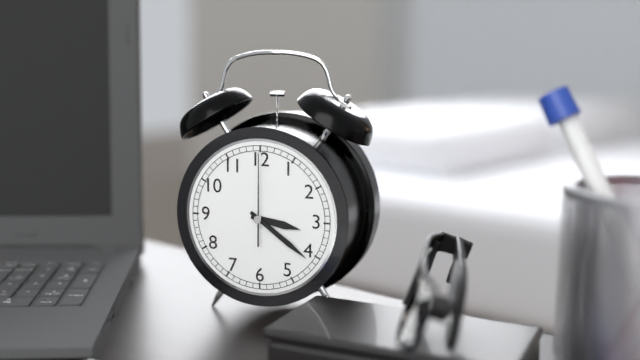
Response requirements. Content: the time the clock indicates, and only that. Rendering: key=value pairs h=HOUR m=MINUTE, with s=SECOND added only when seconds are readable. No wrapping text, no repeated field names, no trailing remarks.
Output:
h=3 m=21 s=0
